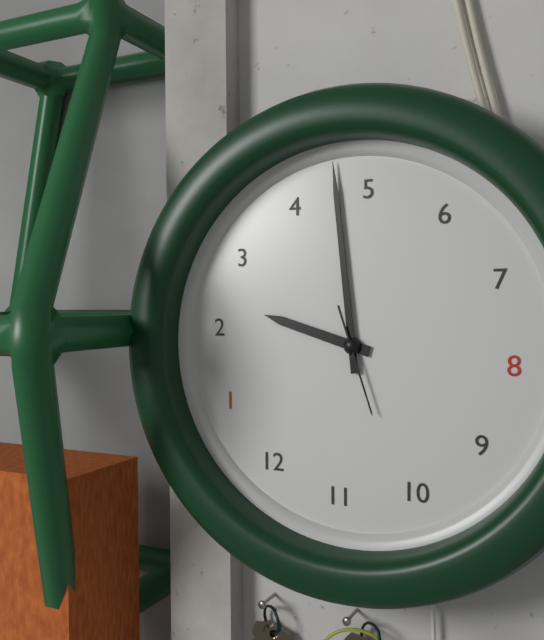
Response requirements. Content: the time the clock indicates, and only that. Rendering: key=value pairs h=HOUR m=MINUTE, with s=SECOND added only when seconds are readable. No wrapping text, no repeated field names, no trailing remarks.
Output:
h=2 m=23 s=51
